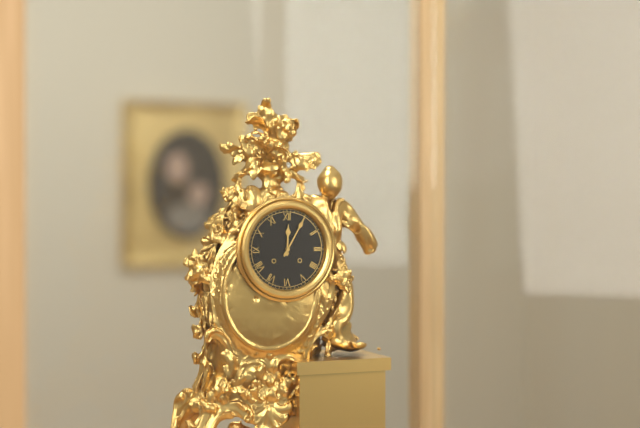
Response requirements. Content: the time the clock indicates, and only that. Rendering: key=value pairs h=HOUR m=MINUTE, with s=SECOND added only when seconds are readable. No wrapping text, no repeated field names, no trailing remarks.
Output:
h=12 m=5
